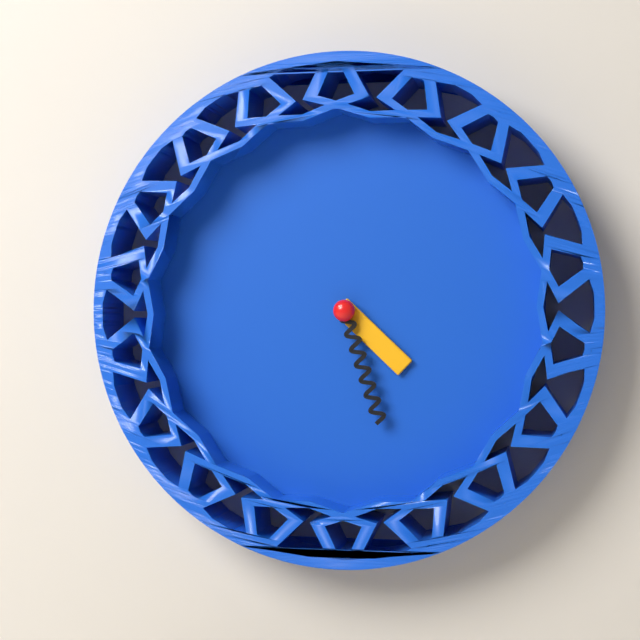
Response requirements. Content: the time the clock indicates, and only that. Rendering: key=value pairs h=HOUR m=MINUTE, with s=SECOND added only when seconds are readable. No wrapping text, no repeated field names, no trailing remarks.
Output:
h=4 m=27
